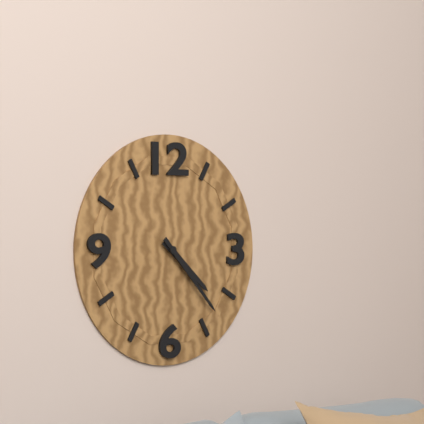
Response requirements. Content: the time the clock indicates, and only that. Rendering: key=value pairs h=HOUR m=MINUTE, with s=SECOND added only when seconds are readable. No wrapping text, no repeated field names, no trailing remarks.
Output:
h=4 m=23
